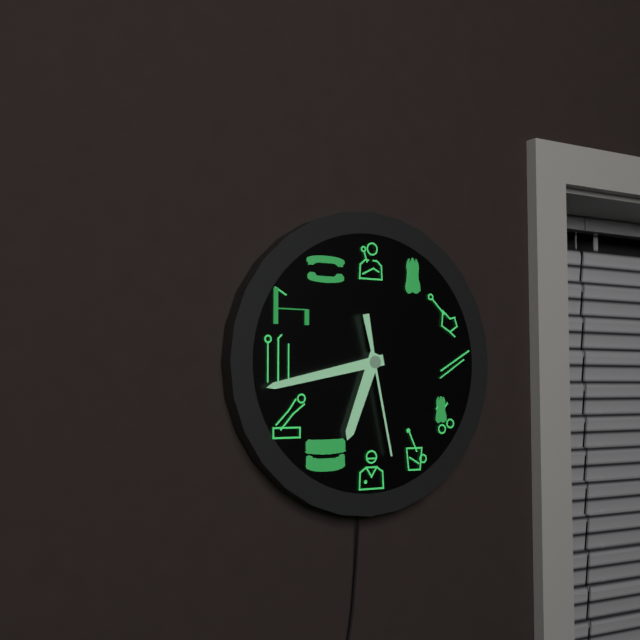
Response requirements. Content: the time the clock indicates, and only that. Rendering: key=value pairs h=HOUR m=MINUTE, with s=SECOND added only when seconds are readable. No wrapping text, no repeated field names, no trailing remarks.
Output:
h=6 m=43 s=28
